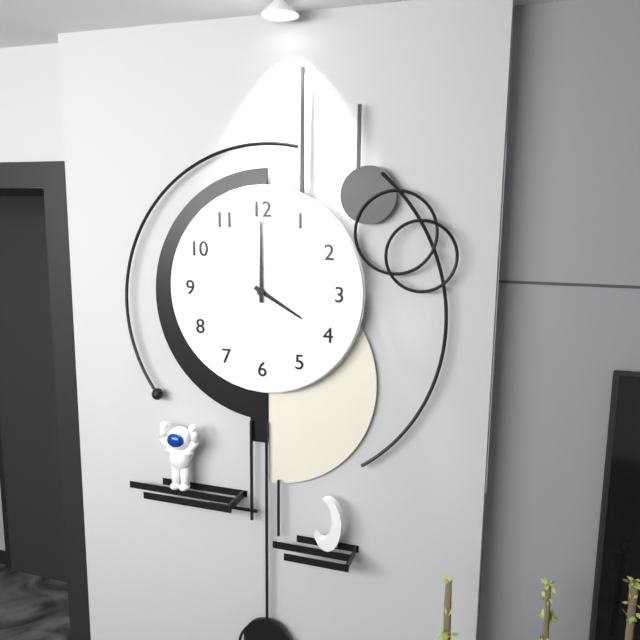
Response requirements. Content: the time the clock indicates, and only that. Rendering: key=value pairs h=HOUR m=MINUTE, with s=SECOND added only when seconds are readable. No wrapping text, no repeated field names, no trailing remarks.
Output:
h=4 m=0
